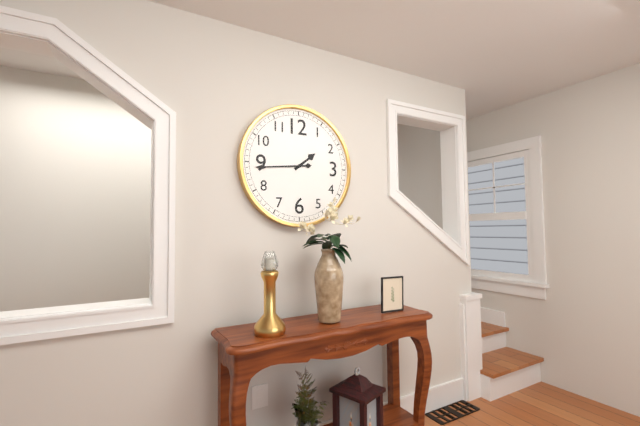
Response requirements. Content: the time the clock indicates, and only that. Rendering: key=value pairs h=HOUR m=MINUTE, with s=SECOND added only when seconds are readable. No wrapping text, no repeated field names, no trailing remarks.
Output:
h=1 m=44
